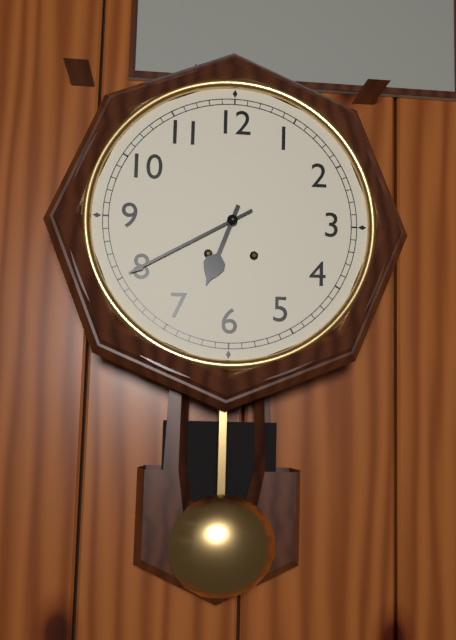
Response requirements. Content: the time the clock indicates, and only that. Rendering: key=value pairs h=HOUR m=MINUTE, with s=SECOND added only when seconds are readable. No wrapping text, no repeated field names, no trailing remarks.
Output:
h=6 m=40
